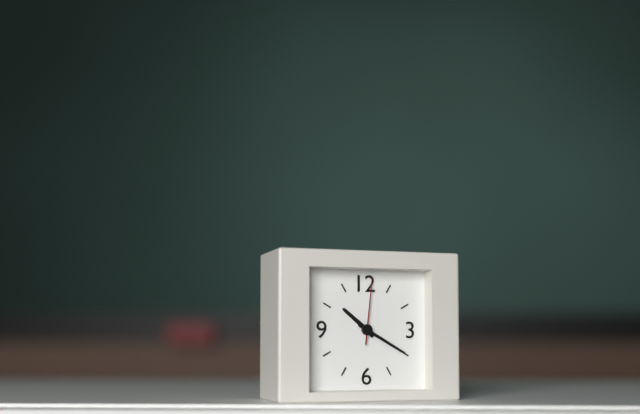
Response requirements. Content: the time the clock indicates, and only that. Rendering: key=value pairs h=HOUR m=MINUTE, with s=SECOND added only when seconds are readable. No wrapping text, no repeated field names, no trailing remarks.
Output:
h=10 m=20 s=1
